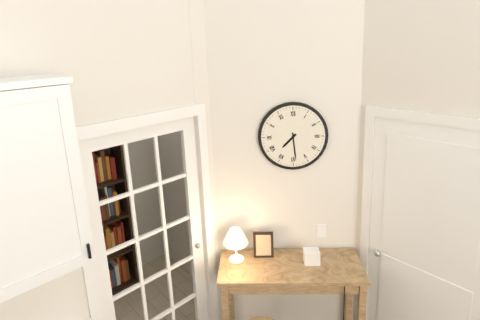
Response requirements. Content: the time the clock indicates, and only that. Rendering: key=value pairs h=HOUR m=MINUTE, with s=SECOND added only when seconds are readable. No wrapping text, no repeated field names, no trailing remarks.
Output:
h=7 m=29
